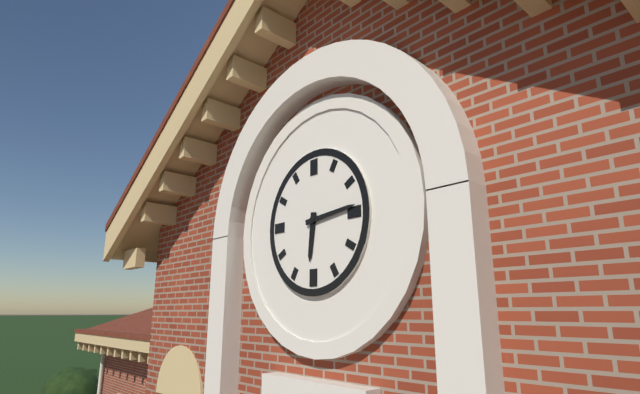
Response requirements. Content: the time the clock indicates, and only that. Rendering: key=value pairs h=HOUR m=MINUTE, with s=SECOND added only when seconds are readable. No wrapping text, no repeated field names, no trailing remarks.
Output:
h=6 m=14
